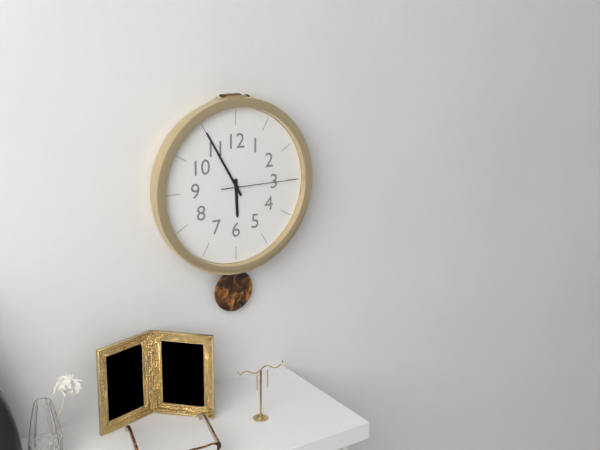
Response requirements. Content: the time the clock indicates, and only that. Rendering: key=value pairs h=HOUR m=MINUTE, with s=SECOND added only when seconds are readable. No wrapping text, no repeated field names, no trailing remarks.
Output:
h=5 m=55 s=15
